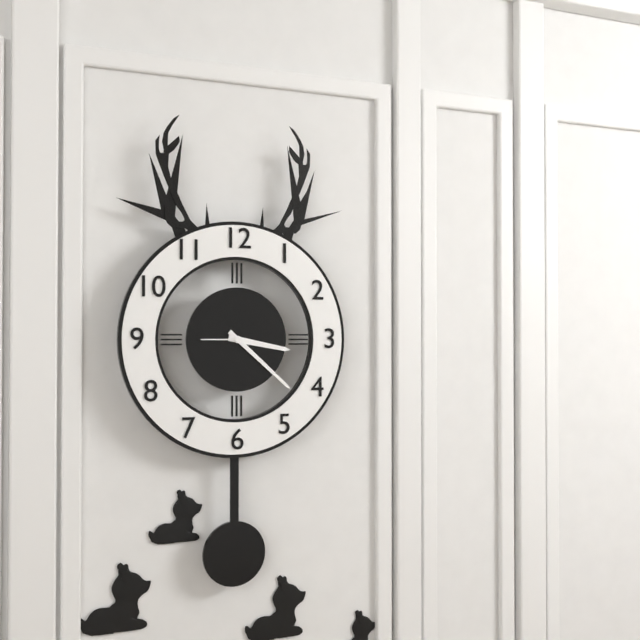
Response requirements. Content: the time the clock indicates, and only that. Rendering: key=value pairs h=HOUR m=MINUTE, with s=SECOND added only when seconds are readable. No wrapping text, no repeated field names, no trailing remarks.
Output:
h=3 m=22
